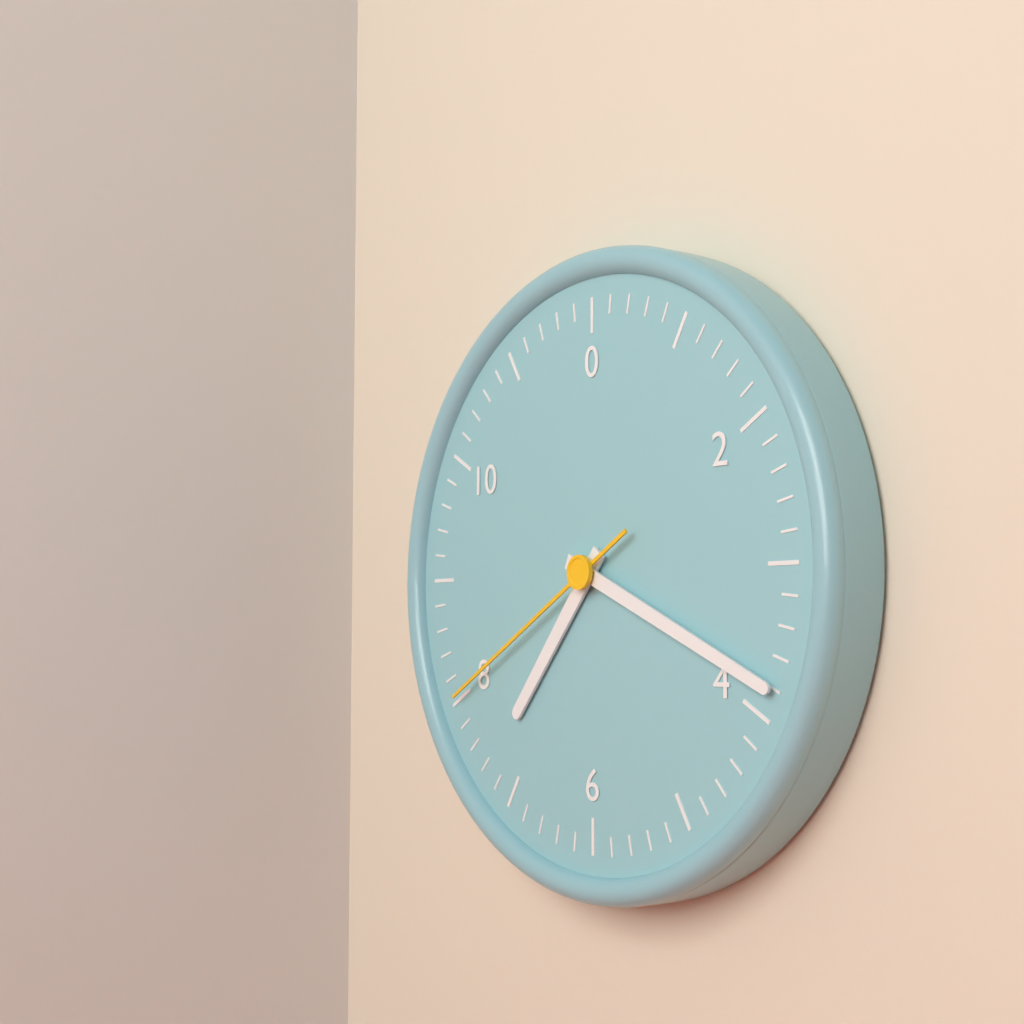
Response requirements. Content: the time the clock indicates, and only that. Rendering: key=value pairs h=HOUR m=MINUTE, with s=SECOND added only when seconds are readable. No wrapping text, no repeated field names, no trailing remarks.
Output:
h=7 m=19 s=40
